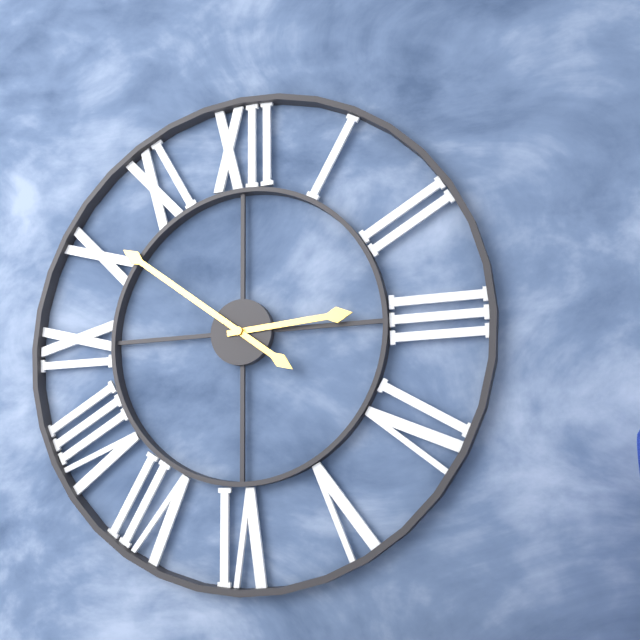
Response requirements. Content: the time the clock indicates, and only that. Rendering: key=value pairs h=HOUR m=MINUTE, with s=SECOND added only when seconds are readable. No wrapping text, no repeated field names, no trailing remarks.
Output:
h=2 m=51
